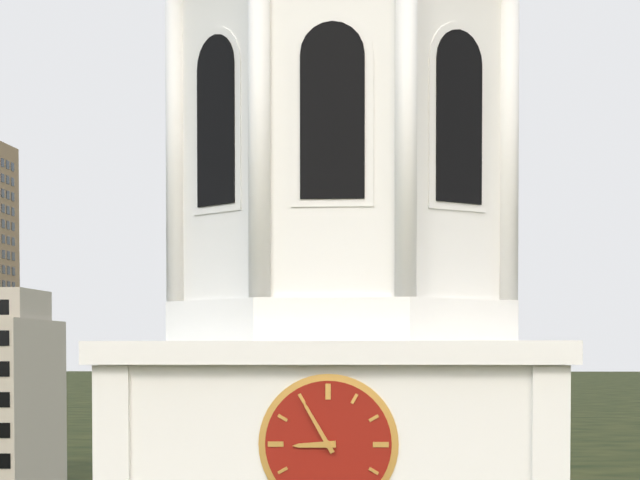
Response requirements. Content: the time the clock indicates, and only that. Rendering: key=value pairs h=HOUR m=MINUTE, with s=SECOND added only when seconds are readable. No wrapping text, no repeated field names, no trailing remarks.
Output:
h=8 m=55
